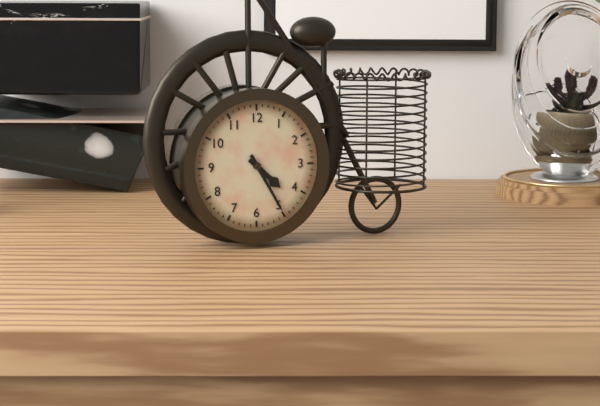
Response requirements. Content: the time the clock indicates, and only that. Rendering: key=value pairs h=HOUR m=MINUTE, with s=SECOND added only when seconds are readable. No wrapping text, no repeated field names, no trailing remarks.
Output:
h=4 m=25
